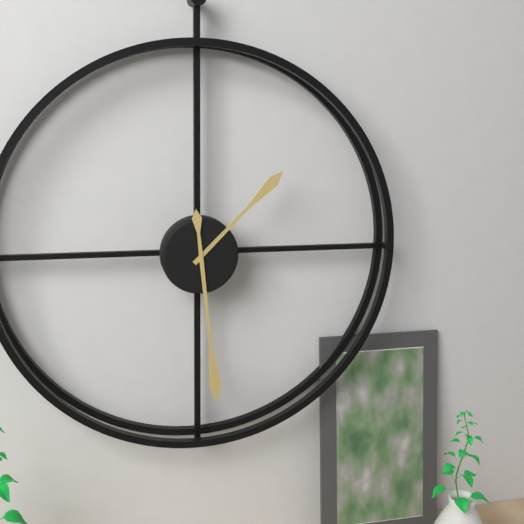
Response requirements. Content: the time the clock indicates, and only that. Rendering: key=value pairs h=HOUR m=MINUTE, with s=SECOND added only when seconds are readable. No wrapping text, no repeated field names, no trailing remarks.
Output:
h=1 m=29
